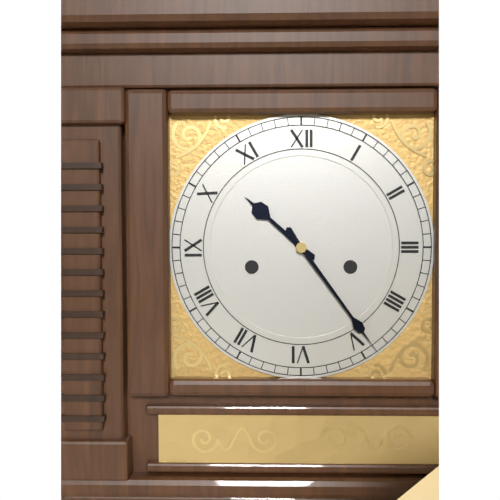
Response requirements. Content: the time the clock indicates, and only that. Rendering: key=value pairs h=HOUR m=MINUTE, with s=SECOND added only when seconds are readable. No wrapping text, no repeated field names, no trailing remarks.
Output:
h=10 m=24
